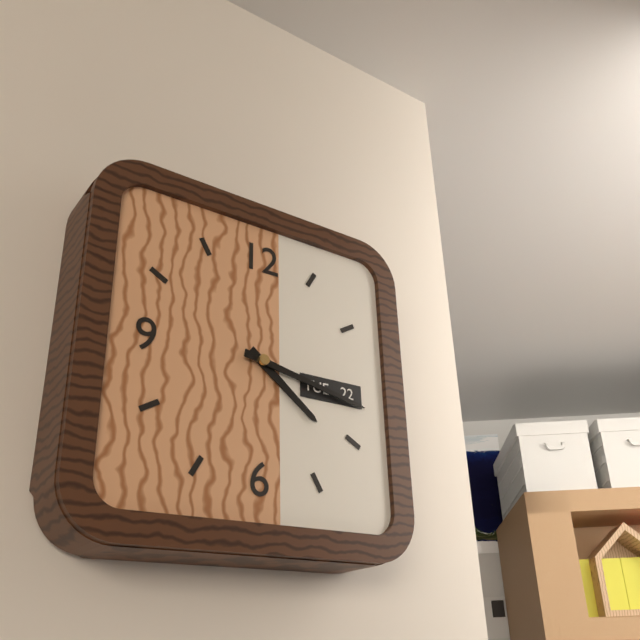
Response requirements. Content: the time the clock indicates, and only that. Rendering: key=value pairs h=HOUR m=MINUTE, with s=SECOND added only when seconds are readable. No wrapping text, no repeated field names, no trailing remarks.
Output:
h=4 m=17
